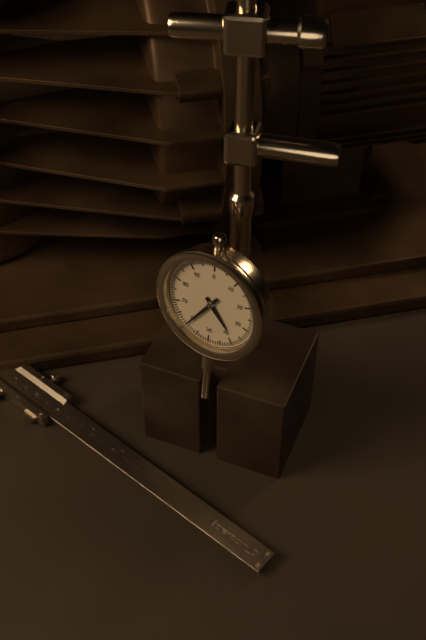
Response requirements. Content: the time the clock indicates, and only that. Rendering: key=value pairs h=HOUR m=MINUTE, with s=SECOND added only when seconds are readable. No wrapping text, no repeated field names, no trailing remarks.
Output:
h=4 m=36
